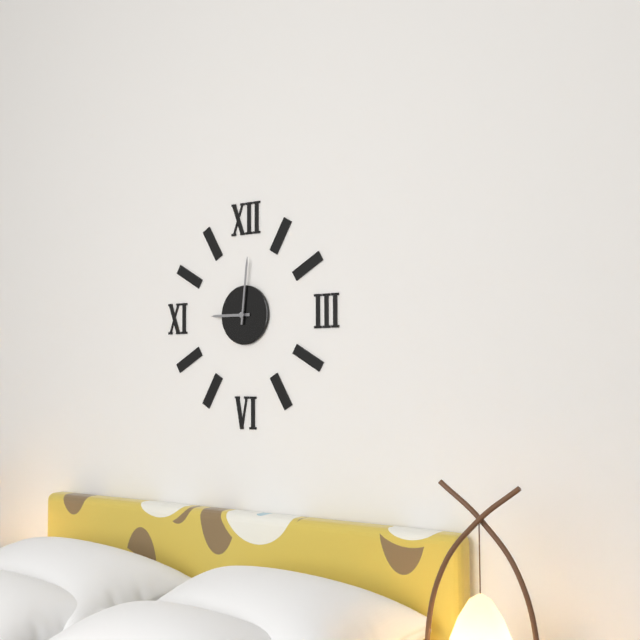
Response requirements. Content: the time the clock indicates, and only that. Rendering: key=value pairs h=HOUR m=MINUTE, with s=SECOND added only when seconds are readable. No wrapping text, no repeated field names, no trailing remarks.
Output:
h=9 m=1
